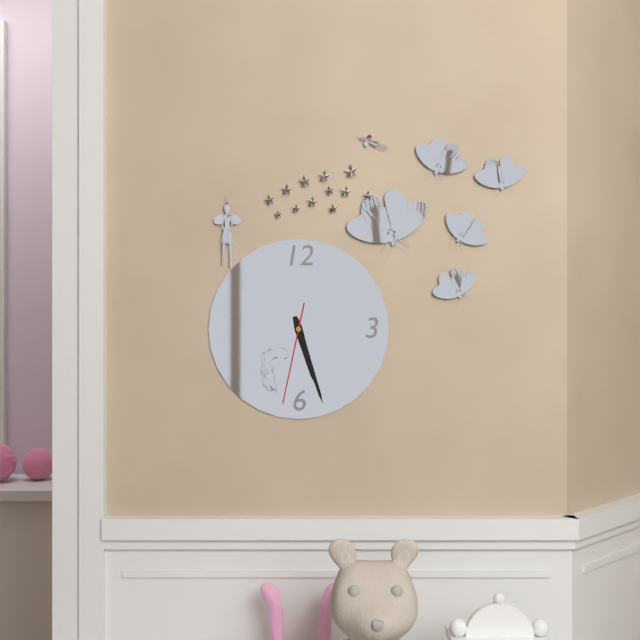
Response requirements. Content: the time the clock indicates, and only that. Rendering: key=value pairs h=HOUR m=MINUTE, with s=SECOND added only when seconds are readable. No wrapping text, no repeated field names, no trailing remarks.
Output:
h=5 m=27 s=32
